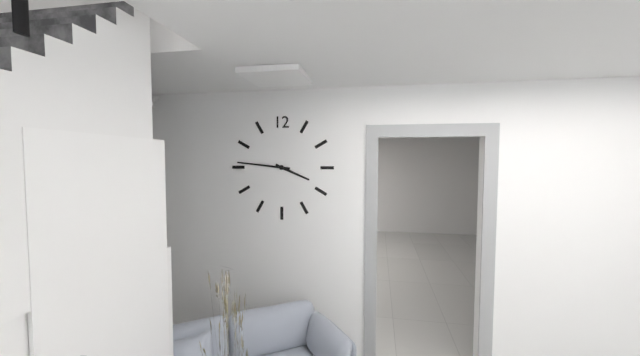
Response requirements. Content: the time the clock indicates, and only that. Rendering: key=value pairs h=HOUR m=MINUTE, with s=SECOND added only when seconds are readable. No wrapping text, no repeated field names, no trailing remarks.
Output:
h=3 m=46
